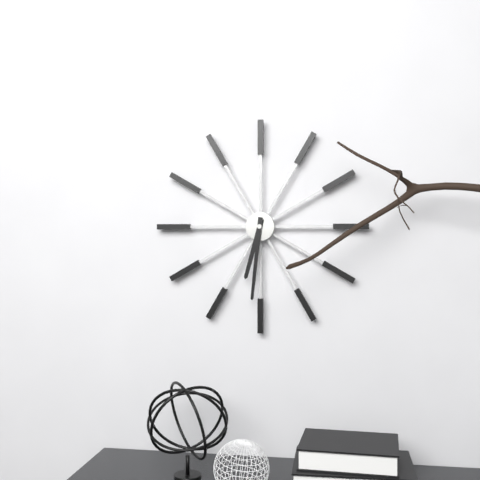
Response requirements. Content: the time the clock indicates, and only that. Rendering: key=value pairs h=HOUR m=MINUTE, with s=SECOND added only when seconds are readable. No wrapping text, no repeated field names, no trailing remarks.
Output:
h=6 m=31
